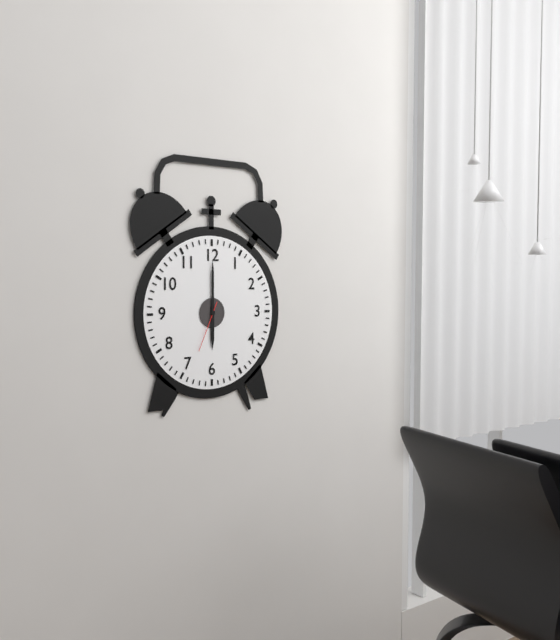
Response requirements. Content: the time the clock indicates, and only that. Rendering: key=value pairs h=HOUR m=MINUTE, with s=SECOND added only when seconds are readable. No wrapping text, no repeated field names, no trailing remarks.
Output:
h=6 m=0 s=34
